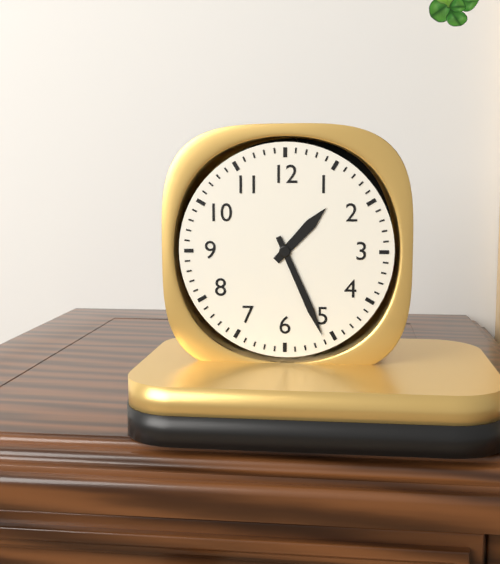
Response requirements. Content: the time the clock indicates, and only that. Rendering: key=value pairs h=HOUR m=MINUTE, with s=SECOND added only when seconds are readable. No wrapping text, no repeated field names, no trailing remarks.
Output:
h=1 m=26
